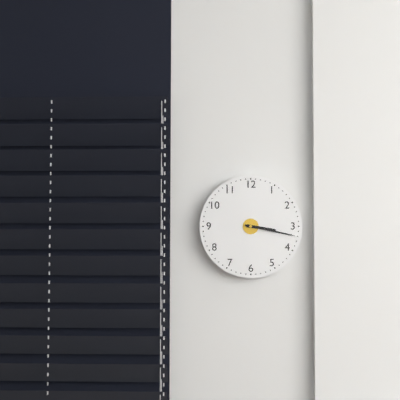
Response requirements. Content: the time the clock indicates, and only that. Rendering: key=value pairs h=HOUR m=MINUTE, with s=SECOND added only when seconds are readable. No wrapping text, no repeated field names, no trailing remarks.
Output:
h=3 m=17
